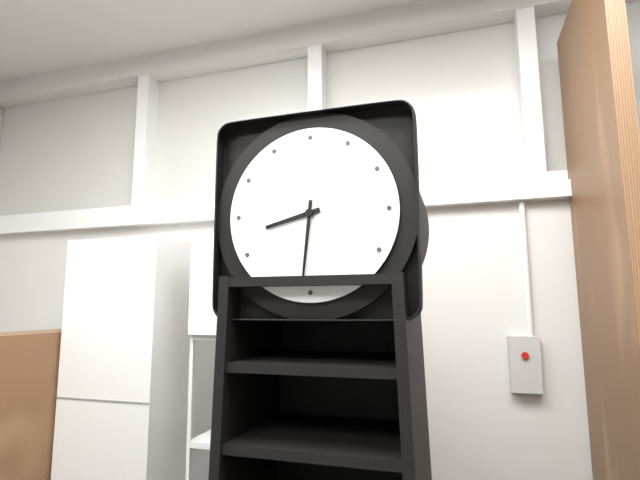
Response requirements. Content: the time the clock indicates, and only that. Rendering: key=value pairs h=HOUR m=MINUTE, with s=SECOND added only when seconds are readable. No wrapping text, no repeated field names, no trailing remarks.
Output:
h=8 m=31
